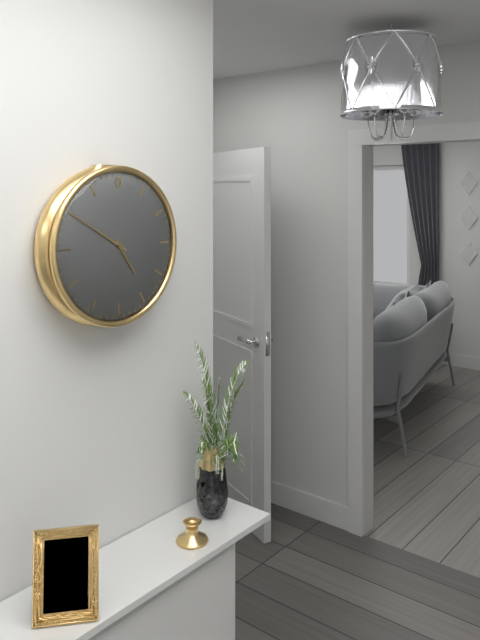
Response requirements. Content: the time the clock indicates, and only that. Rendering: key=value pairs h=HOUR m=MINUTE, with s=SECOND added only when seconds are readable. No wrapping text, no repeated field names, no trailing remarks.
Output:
h=4 m=50
